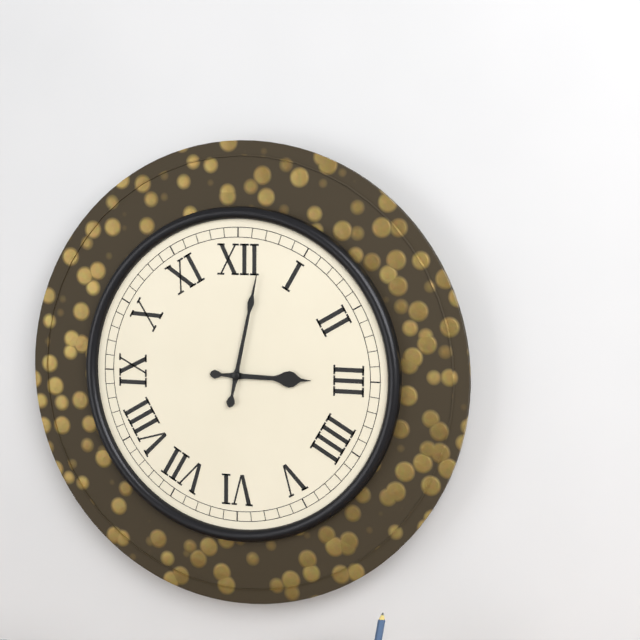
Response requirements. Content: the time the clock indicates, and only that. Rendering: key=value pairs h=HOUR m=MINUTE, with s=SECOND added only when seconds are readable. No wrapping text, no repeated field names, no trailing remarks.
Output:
h=3 m=2
